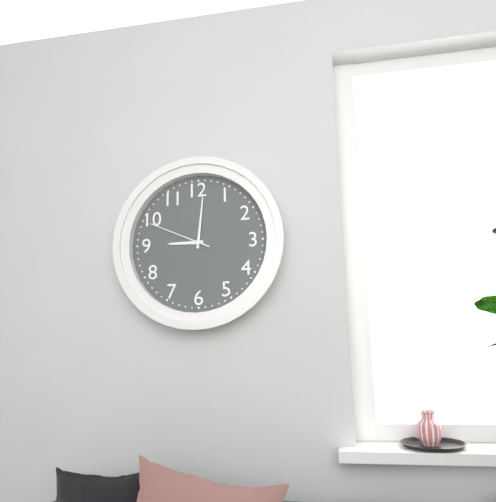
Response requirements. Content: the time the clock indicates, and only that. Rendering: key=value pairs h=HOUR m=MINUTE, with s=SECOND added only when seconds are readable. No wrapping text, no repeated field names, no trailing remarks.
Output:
h=9 m=1 s=49
